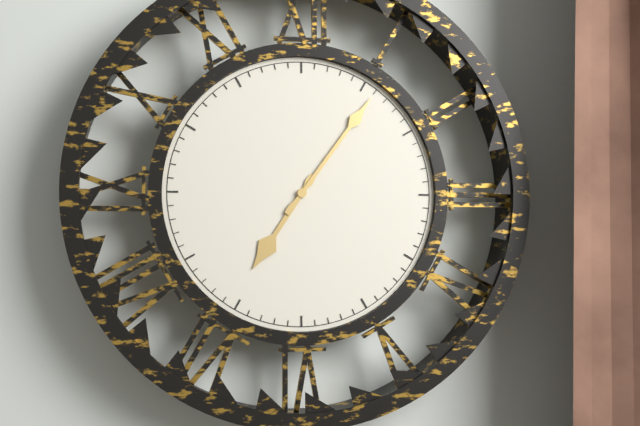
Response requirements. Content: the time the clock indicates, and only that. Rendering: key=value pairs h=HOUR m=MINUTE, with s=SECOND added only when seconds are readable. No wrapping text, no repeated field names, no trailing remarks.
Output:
h=7 m=6
